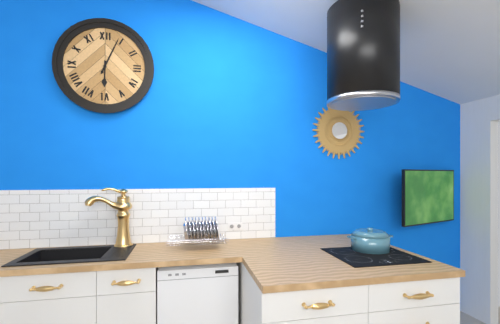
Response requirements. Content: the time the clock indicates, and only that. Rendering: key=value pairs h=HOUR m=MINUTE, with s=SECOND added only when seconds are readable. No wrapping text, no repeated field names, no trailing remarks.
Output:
h=6 m=4
